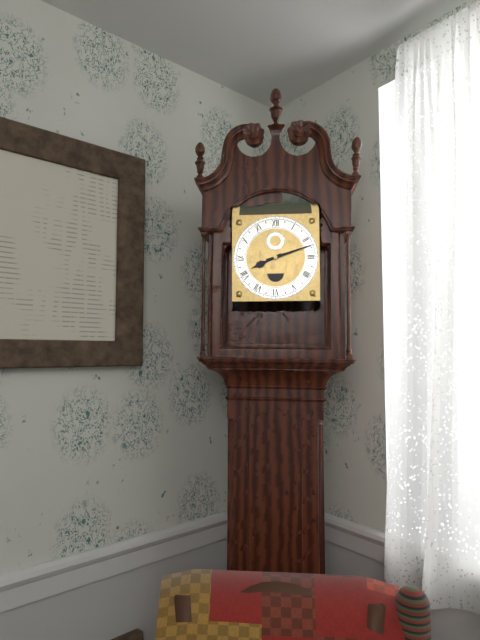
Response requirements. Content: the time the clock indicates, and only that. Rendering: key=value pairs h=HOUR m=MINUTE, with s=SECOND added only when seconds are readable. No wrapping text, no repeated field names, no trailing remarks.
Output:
h=8 m=12
